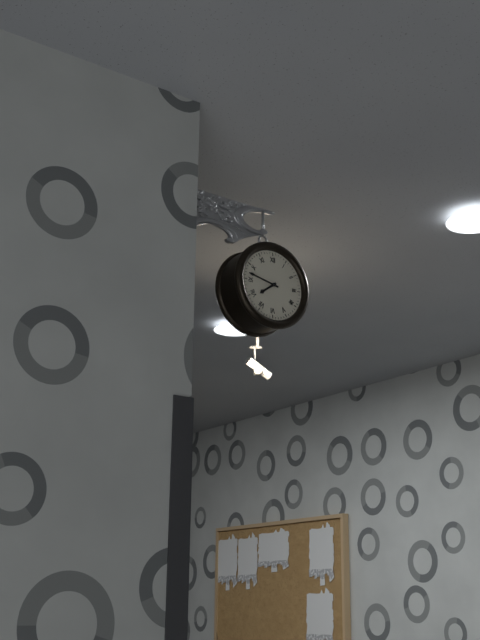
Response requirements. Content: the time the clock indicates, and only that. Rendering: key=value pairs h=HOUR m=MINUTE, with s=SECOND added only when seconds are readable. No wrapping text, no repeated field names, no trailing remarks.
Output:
h=7 m=47
